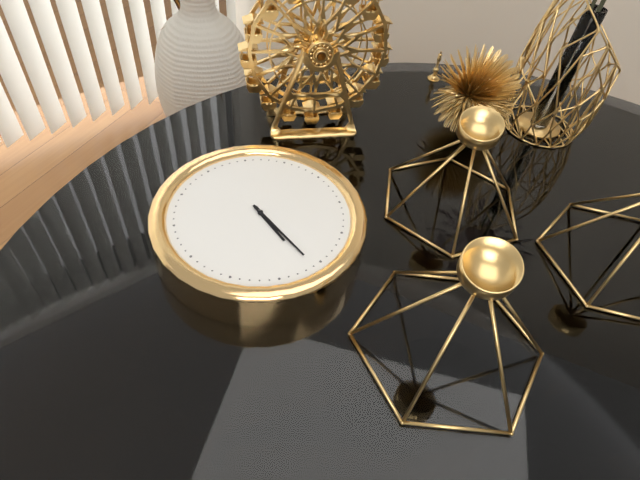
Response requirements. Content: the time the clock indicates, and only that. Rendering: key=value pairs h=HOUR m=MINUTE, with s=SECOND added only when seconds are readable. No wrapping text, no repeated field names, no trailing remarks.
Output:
h=4 m=21
